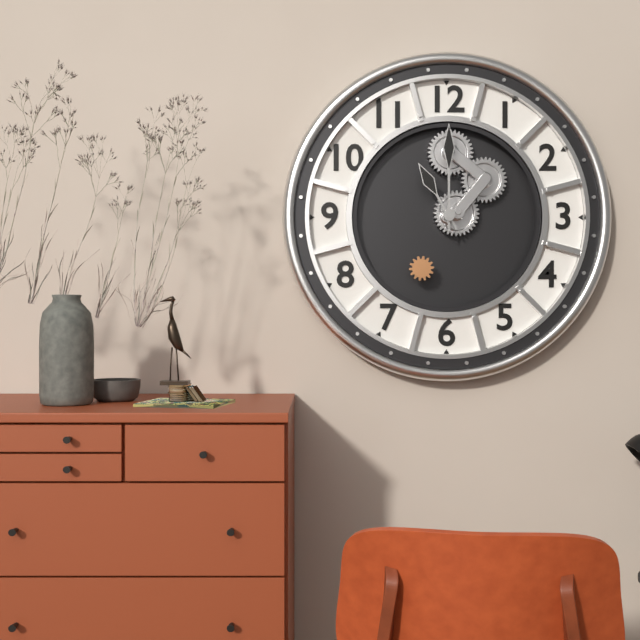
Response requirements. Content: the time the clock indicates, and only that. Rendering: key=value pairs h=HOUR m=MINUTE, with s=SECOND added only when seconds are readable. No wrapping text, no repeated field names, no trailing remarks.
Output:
h=11 m=0
